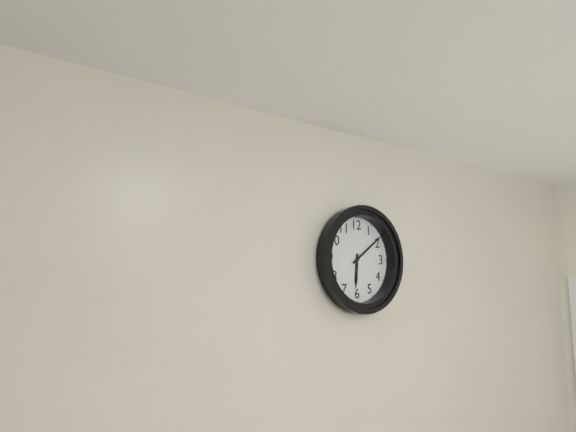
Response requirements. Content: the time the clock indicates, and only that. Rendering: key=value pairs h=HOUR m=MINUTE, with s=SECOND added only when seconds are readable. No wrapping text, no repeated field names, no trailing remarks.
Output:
h=6 m=9
